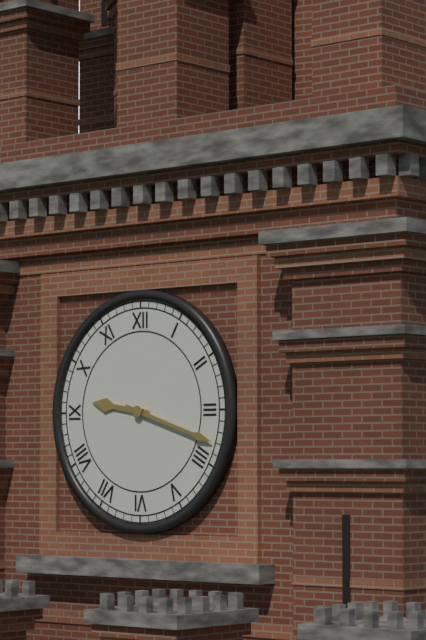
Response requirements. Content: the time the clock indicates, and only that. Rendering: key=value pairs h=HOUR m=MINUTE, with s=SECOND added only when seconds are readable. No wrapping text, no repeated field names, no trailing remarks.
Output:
h=9 m=18
